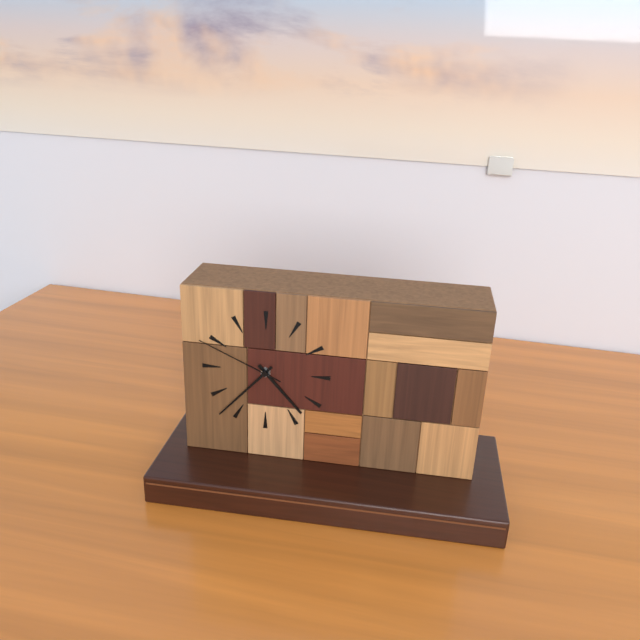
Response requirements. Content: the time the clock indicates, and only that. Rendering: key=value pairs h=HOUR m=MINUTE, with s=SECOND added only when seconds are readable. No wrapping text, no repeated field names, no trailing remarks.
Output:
h=4 m=37 s=49
